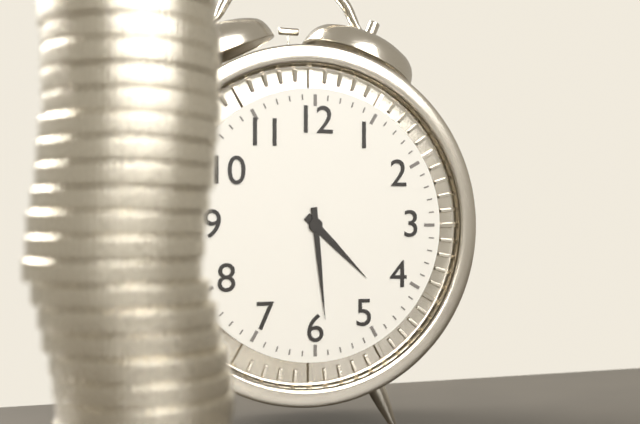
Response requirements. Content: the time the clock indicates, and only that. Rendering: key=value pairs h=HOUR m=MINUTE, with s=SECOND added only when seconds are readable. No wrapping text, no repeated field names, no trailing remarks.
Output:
h=4 m=29
